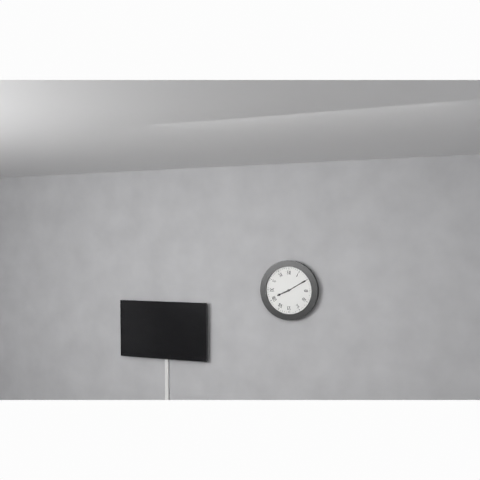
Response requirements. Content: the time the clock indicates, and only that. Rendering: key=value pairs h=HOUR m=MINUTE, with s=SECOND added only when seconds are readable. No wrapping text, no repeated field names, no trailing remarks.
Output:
h=8 m=10
